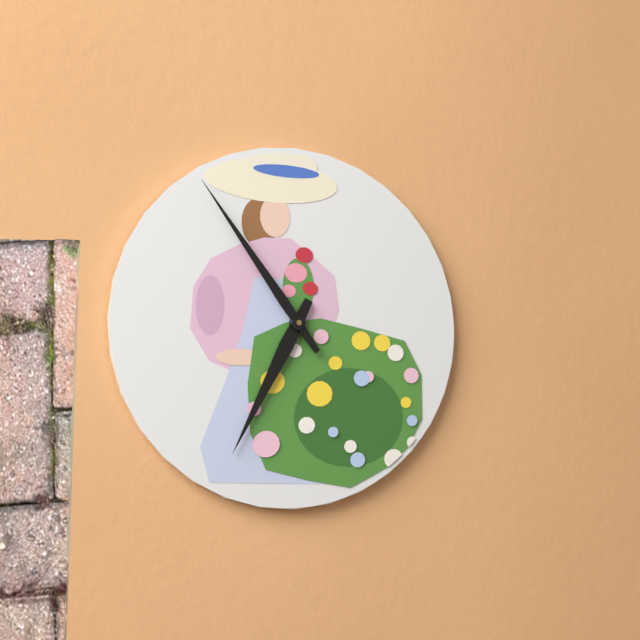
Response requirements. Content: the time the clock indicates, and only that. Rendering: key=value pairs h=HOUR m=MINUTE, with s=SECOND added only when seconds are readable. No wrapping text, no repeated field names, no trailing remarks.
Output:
h=6 m=54
